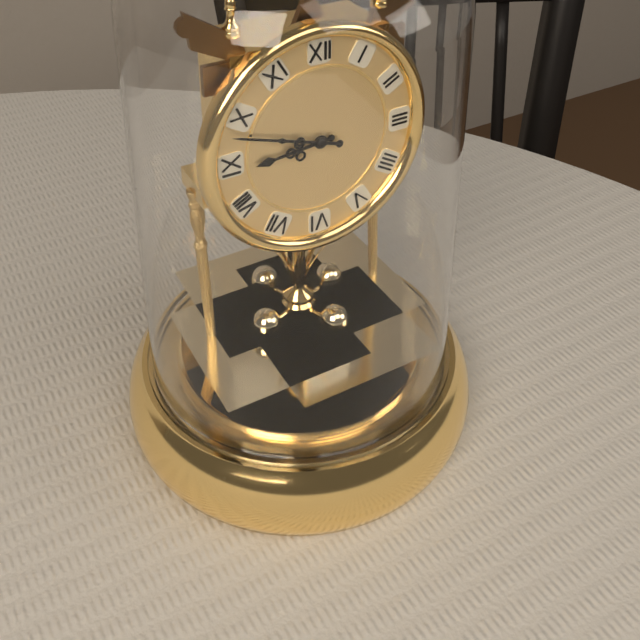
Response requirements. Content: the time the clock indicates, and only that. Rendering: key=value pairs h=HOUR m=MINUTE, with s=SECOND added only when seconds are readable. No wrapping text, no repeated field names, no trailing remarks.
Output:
h=8 m=48
